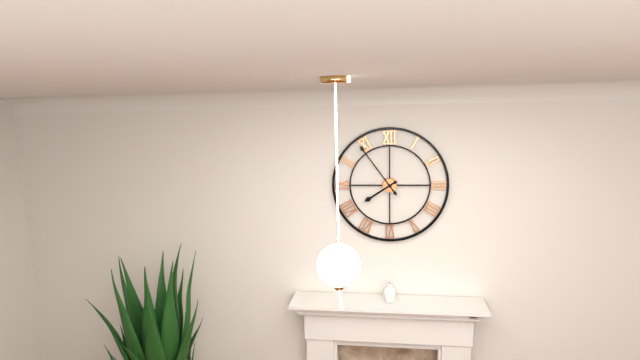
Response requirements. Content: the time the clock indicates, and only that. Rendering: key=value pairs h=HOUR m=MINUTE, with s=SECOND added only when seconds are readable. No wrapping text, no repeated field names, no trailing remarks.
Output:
h=7 m=54
